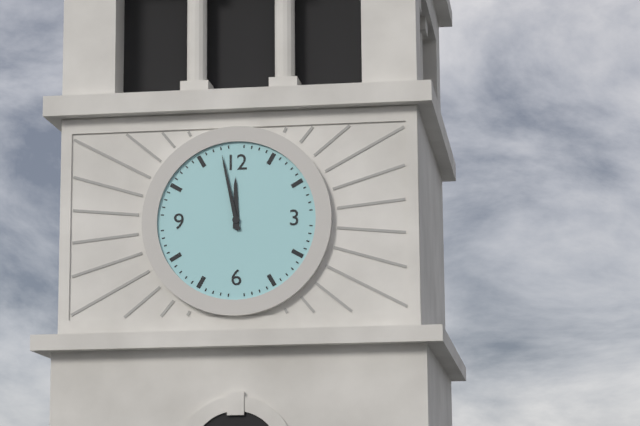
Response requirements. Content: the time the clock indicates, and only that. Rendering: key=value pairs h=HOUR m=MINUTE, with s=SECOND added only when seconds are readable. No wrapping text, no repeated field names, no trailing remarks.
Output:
h=11 m=58
